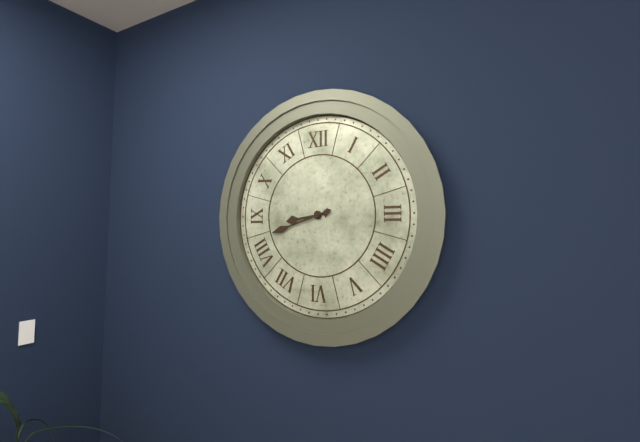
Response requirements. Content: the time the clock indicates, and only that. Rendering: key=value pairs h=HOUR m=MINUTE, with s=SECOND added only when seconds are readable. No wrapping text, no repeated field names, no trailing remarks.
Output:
h=8 m=42
